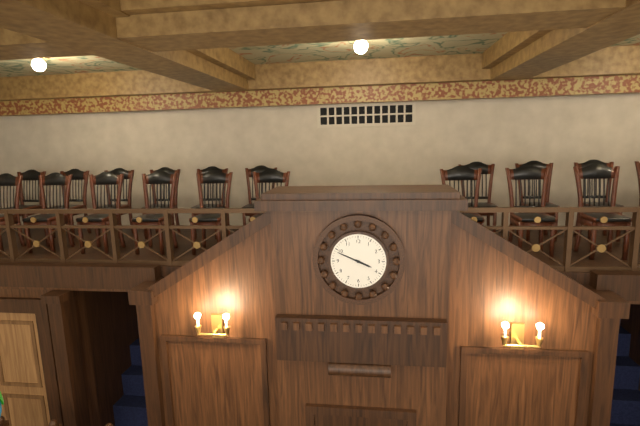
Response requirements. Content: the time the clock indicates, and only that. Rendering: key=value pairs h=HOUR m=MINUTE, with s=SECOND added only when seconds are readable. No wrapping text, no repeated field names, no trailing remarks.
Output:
h=3 m=49
